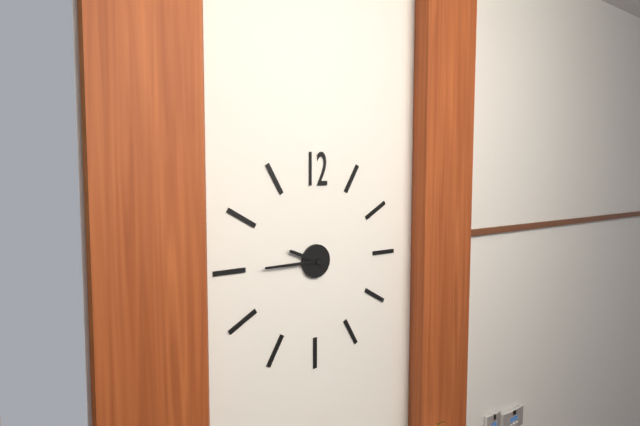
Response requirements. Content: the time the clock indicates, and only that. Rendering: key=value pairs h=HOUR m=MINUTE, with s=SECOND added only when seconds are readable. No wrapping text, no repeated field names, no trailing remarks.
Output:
h=9 m=45
